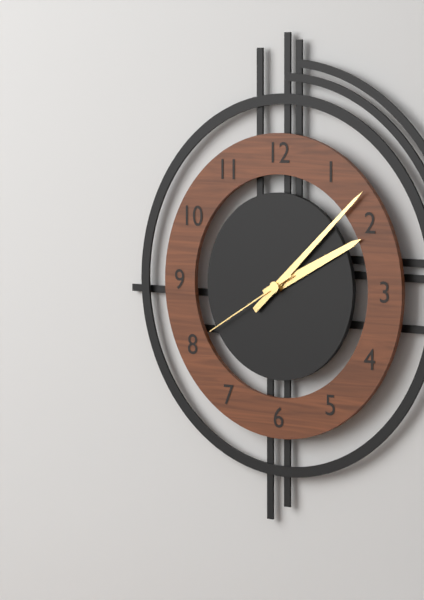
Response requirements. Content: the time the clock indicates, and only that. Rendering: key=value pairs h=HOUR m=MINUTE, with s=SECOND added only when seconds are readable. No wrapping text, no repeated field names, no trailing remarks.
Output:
h=2 m=8 s=40
